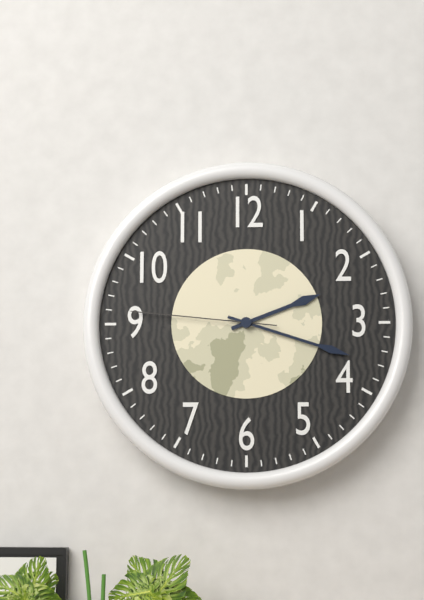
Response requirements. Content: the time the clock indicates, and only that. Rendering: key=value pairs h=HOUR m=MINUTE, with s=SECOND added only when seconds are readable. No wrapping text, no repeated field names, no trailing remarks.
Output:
h=2 m=18 s=46
